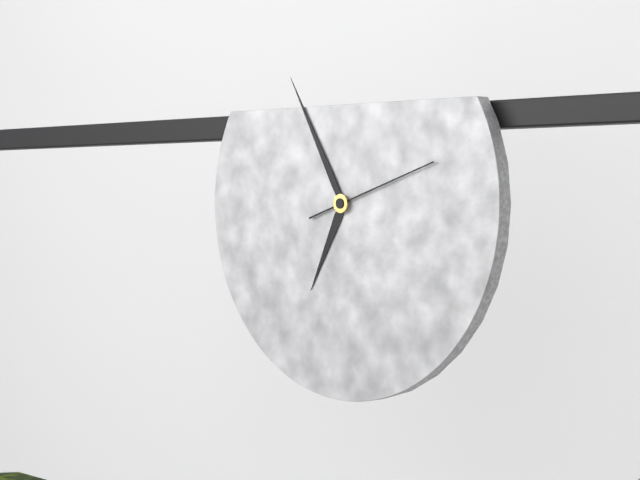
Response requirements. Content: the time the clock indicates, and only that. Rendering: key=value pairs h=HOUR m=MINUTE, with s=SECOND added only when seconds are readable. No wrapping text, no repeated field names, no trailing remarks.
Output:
h=6 m=55 s=12
